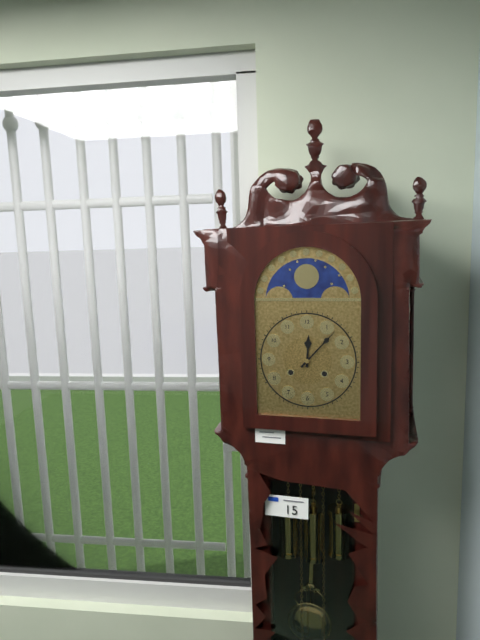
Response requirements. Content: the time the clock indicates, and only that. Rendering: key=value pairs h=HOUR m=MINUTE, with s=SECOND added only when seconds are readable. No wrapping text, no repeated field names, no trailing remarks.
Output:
h=12 m=7
